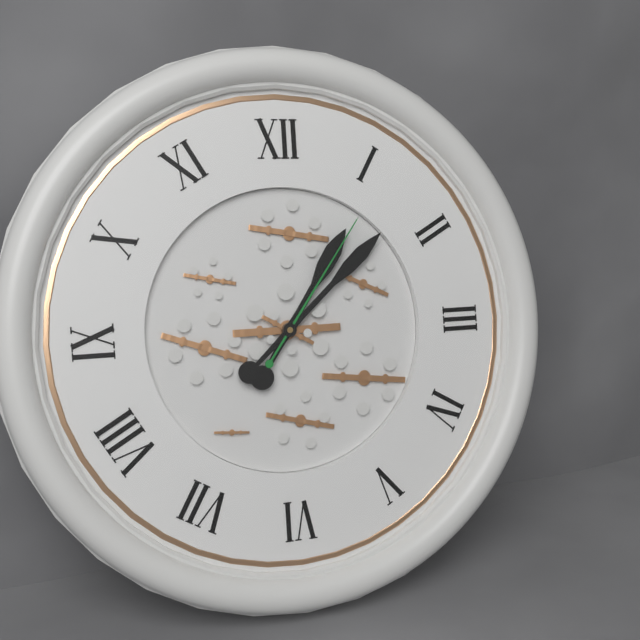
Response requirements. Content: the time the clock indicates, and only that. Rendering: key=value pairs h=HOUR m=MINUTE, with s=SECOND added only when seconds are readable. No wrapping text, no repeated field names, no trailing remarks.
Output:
h=1 m=8 s=6
